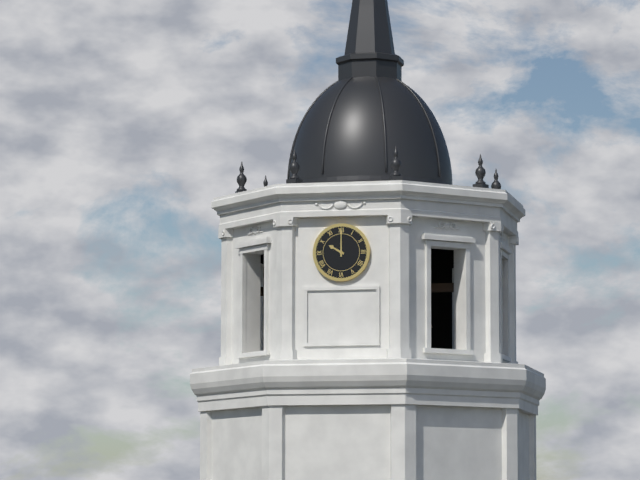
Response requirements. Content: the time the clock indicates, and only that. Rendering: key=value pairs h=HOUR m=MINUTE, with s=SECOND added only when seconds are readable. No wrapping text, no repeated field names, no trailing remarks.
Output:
h=10 m=0
